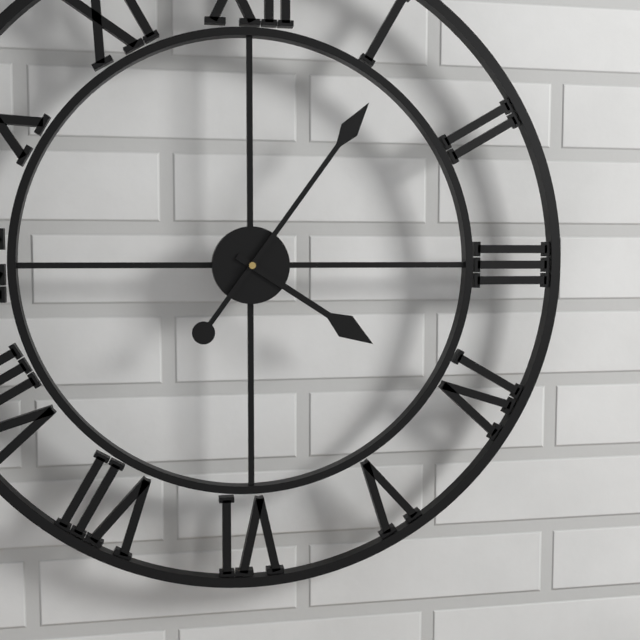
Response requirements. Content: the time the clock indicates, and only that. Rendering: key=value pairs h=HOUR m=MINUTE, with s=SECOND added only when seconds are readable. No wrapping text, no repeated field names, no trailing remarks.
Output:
h=4 m=6
